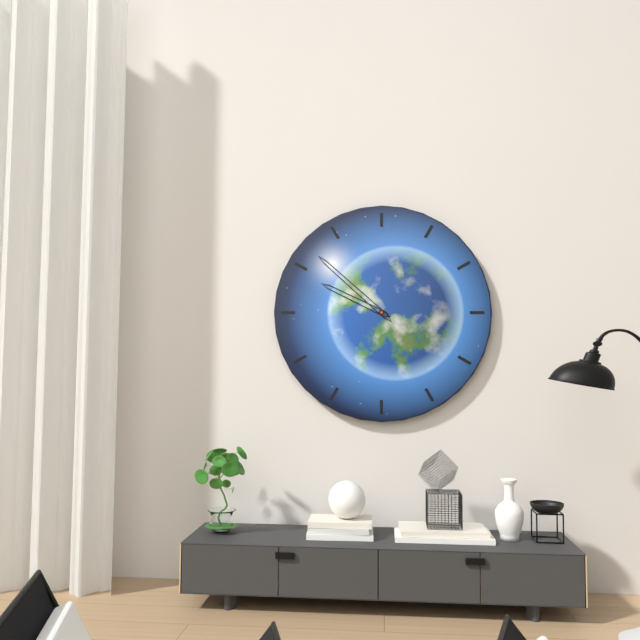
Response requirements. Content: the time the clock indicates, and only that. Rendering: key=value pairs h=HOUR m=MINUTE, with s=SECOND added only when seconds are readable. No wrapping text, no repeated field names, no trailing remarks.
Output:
h=9 m=52
